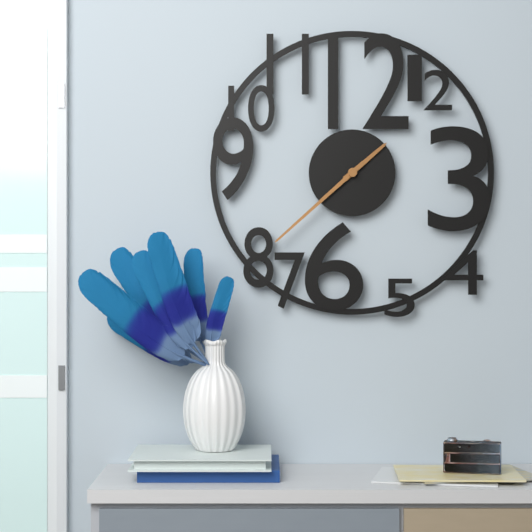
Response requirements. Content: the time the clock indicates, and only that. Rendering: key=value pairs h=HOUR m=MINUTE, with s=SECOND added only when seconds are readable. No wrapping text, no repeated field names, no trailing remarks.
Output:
h=1 m=38
